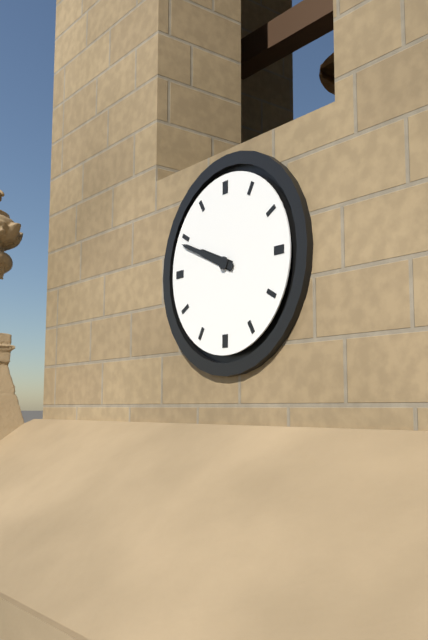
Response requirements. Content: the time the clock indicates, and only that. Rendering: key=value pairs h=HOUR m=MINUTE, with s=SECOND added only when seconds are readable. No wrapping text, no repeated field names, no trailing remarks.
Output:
h=9 m=49
